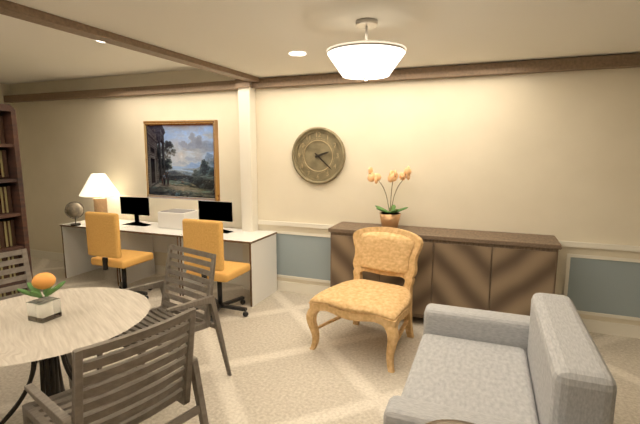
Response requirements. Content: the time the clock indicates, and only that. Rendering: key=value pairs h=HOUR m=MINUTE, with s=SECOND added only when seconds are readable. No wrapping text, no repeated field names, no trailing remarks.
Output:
h=2 m=22
